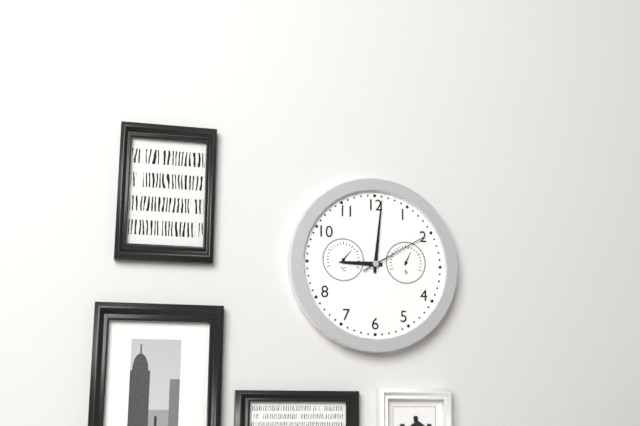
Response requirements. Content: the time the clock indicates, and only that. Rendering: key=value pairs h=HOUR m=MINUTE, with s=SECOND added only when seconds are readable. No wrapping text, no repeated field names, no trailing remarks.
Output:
h=9 m=1 s=10
